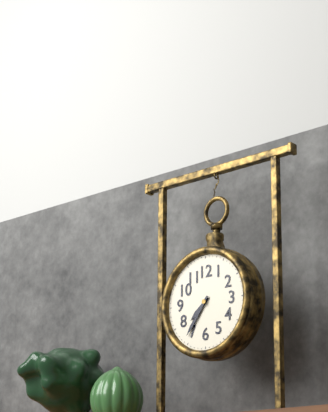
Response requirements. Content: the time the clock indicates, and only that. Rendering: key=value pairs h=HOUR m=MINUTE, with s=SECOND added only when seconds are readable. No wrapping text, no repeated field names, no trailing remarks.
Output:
h=7 m=36
